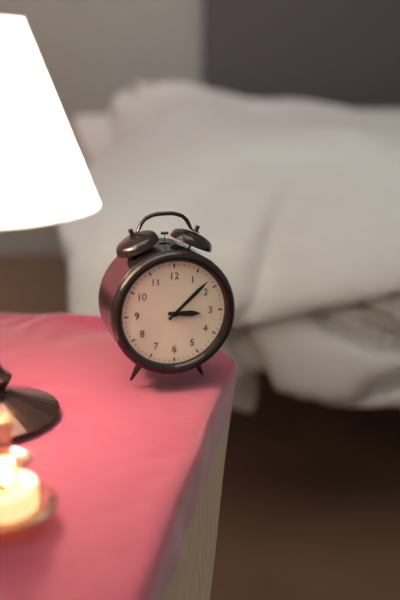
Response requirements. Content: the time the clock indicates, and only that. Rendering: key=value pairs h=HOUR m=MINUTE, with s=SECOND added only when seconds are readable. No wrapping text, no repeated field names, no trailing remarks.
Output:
h=3 m=8
